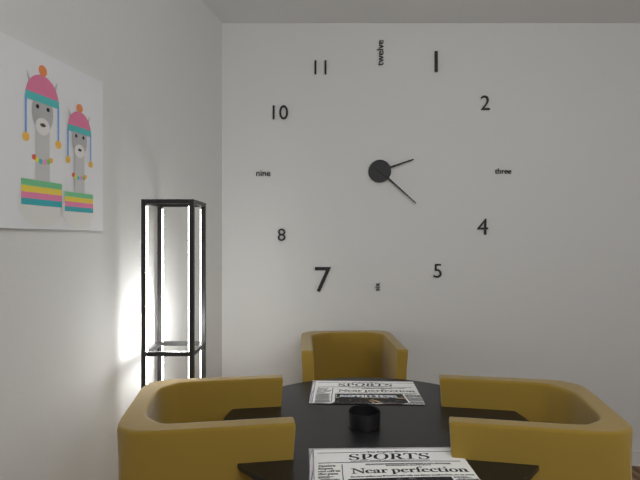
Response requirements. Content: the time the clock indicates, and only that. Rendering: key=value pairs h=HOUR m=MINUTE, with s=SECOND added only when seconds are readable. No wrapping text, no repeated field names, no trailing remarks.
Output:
h=2 m=22
